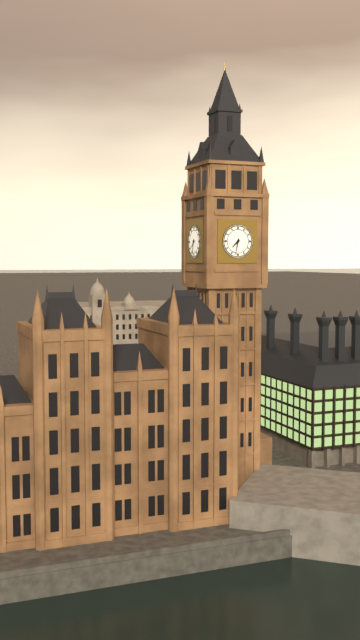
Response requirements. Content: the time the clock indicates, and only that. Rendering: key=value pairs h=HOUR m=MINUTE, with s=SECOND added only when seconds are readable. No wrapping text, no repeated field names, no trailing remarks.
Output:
h=7 m=32
